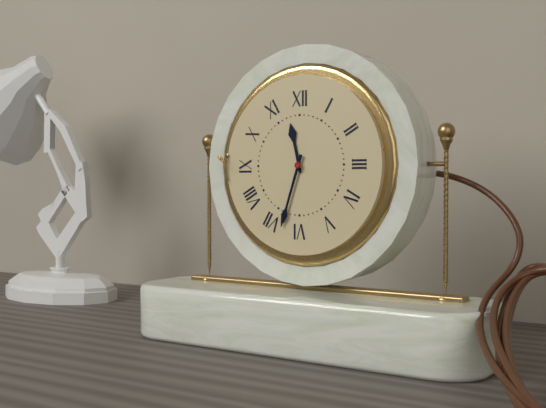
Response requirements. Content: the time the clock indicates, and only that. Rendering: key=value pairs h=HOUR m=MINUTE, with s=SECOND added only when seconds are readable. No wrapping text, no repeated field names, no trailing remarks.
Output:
h=11 m=33
